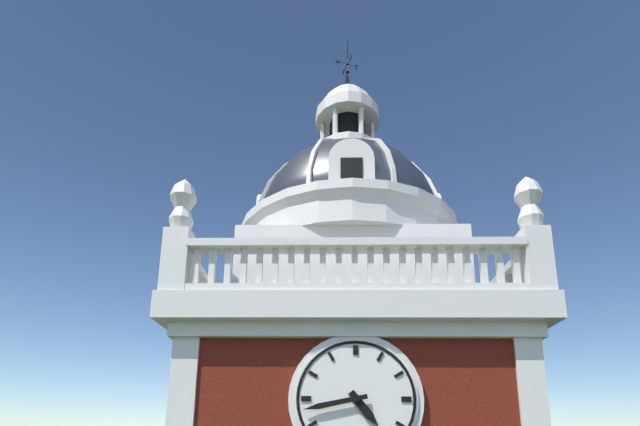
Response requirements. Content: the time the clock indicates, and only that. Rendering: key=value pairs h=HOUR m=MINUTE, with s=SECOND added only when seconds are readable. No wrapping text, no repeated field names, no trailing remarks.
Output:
h=4 m=43
